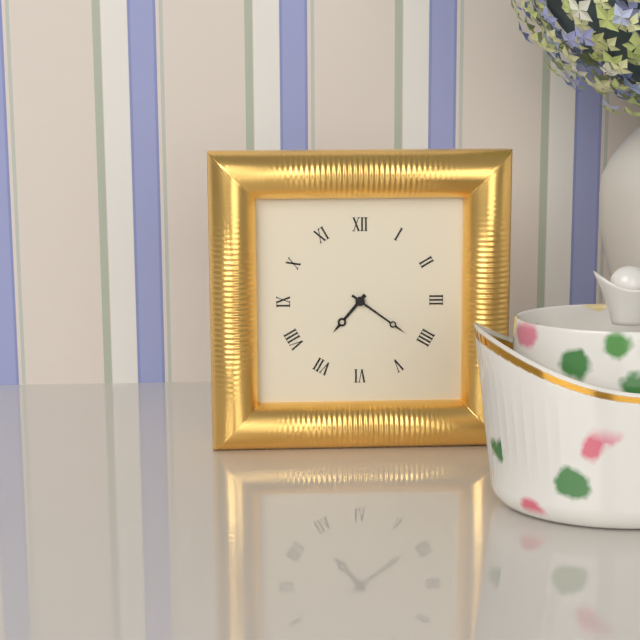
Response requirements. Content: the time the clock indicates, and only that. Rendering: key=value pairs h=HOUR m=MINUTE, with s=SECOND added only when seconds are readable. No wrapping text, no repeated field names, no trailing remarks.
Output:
h=7 m=21
